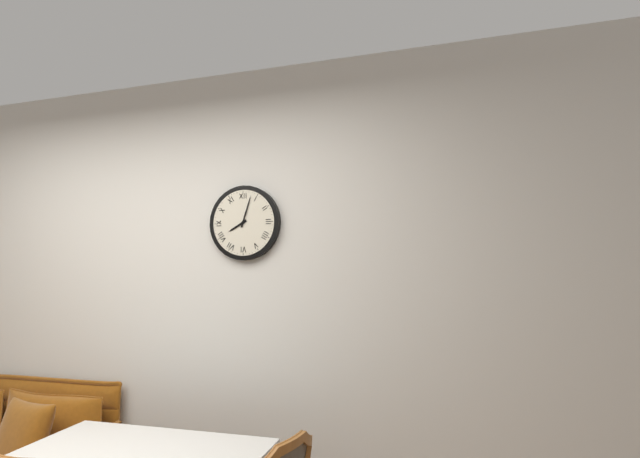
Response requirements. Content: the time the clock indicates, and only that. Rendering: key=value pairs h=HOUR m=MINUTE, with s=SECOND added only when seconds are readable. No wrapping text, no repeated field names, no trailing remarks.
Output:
h=8 m=3
